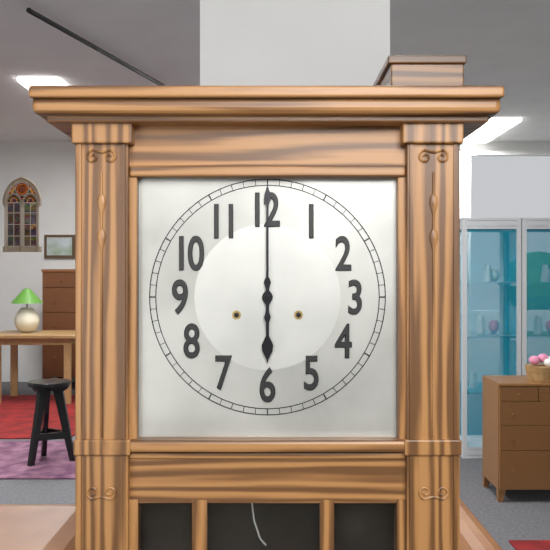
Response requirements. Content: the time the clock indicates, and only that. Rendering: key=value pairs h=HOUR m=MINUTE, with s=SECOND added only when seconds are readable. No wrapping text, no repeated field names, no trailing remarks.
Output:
h=6 m=0
